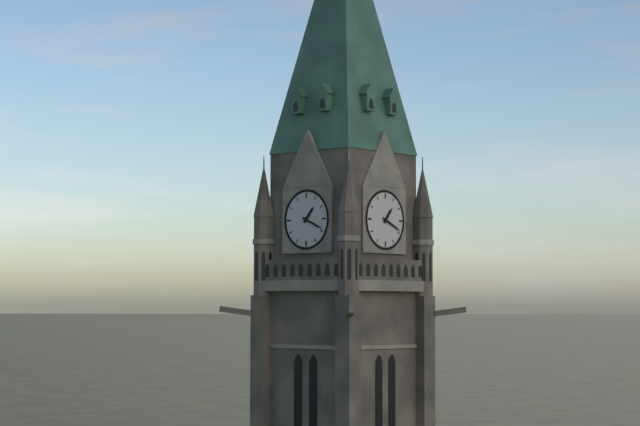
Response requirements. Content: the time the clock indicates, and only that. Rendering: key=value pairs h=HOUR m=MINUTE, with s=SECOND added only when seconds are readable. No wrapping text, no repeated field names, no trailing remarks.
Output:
h=1 m=19
